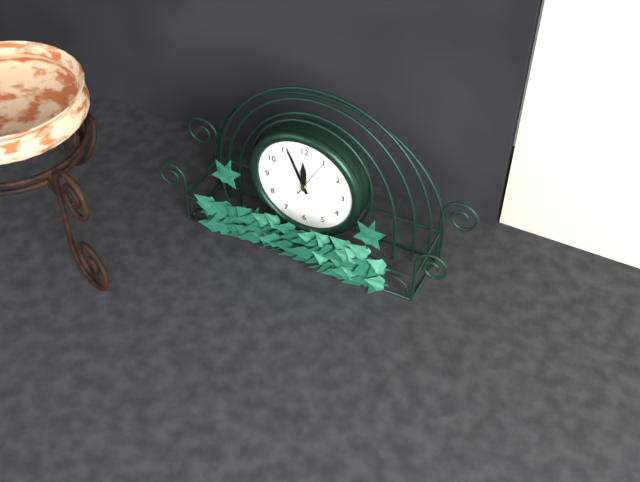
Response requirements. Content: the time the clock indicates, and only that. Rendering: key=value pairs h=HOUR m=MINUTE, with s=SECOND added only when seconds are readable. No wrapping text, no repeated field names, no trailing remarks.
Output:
h=11 m=56
